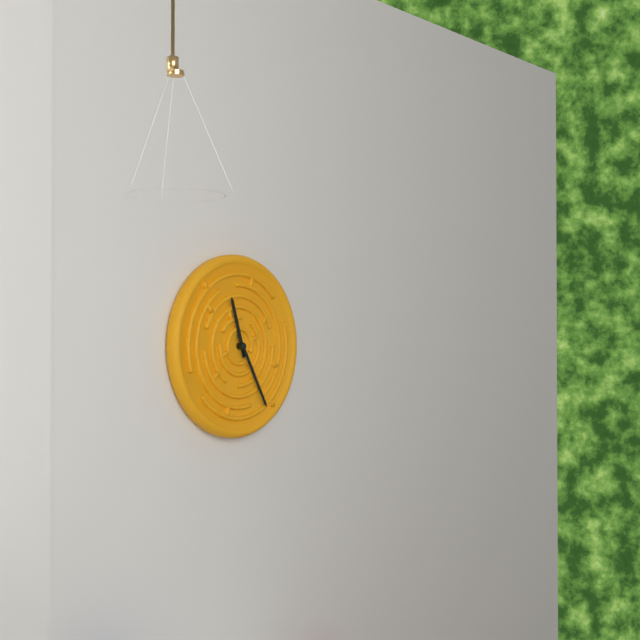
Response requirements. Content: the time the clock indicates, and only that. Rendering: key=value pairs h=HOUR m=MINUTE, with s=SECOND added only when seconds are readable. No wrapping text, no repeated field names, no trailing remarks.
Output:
h=11 m=25
